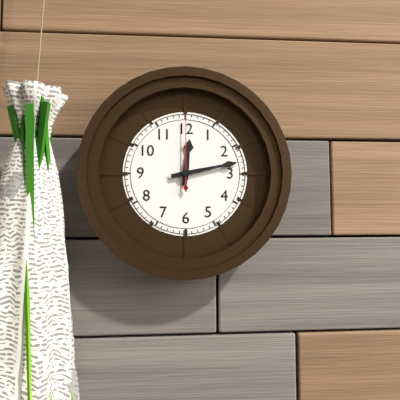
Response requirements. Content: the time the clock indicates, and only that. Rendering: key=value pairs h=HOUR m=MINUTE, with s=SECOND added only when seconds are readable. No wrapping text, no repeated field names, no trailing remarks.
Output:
h=12 m=13 s=0
